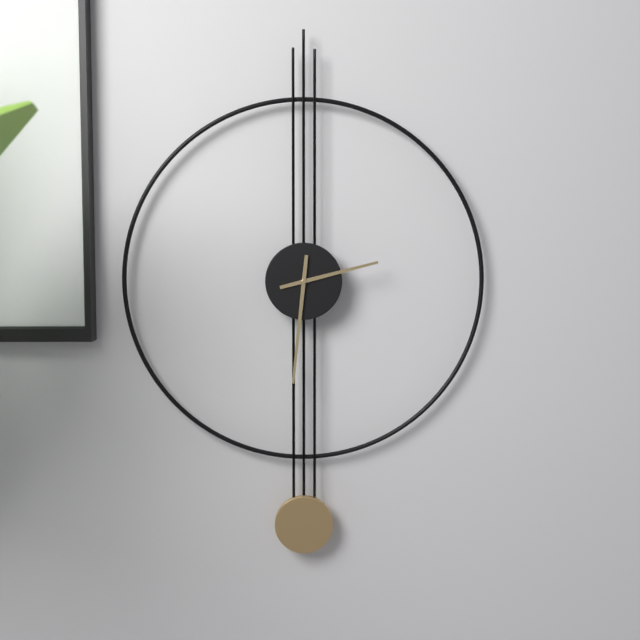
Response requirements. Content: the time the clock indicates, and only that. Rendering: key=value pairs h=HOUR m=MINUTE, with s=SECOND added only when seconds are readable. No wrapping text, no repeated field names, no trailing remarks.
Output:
h=2 m=31
